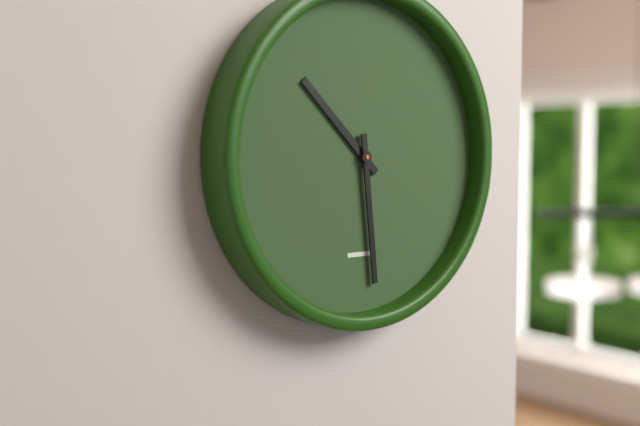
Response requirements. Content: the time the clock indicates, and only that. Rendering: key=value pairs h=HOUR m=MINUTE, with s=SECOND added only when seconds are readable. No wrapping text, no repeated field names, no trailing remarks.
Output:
h=10 m=29
